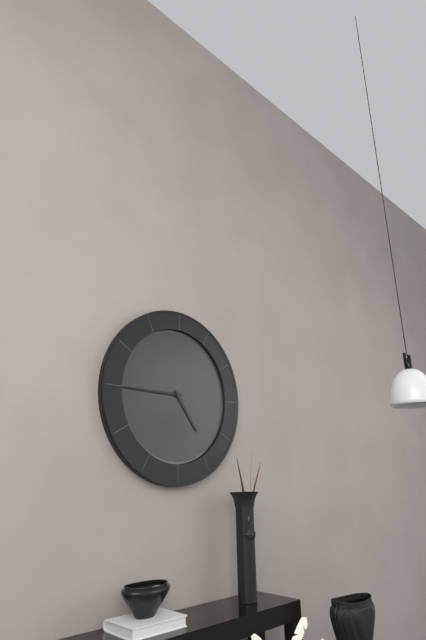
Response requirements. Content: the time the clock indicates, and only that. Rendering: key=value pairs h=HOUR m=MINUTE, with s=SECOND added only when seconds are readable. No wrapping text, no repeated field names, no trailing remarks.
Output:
h=4 m=45
